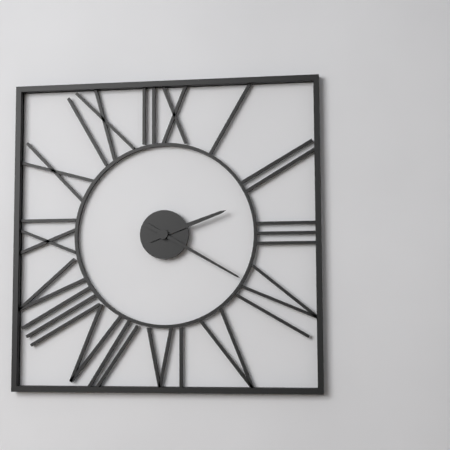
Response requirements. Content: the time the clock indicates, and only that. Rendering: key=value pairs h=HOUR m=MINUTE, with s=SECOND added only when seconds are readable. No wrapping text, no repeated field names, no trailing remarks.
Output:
h=2 m=20
